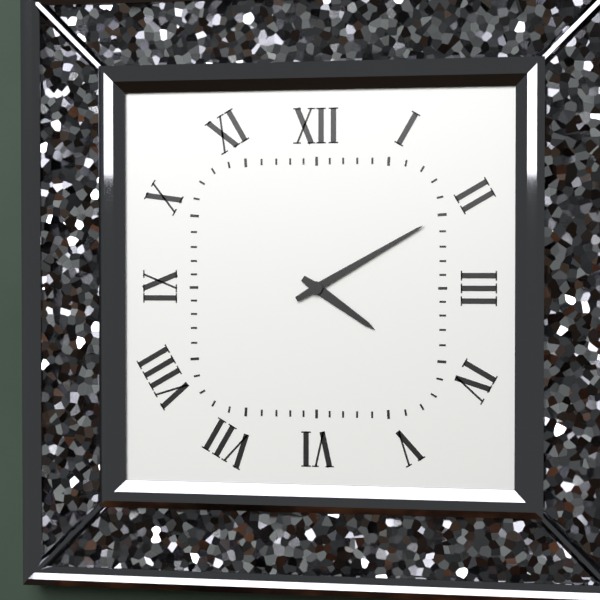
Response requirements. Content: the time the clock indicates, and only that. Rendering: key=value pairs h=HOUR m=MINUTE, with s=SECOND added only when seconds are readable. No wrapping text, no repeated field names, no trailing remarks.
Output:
h=4 m=10
